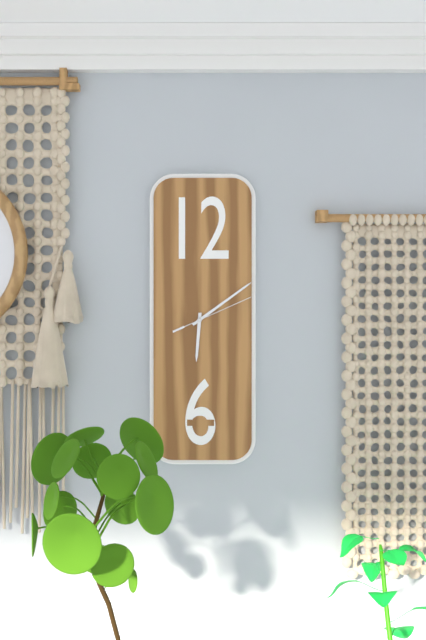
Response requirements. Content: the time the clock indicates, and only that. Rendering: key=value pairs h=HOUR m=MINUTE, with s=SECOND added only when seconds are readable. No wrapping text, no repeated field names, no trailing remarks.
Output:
h=6 m=9 s=11
